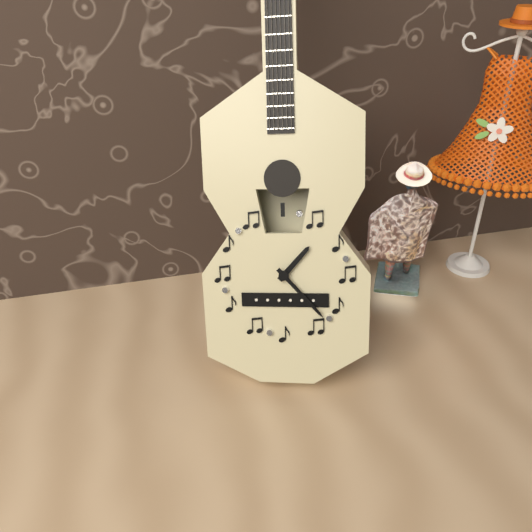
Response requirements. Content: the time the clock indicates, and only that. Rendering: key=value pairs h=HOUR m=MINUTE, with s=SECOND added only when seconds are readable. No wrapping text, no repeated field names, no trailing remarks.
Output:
h=1 m=23
